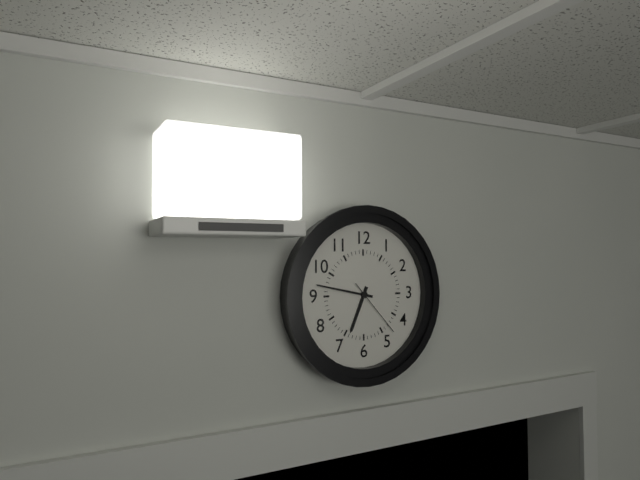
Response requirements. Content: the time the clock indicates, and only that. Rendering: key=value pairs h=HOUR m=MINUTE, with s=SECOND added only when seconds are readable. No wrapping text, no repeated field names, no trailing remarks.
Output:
h=6 m=47 s=23
